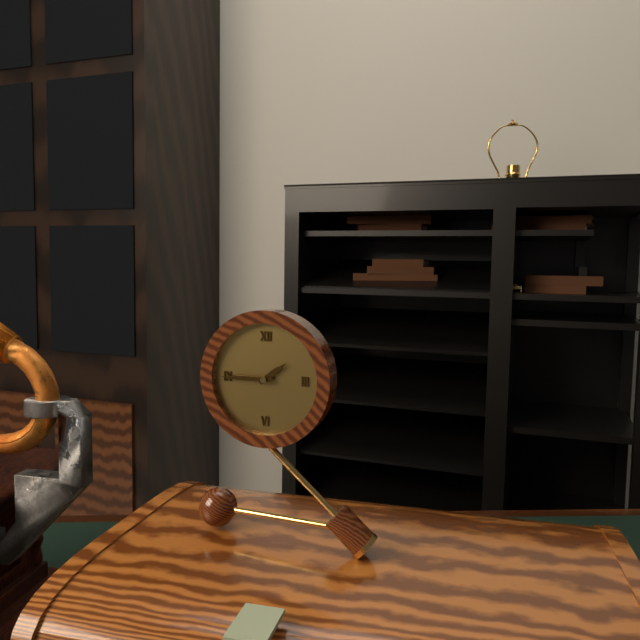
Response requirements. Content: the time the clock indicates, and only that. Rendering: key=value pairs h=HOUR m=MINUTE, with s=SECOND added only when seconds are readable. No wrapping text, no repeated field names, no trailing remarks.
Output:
h=1 m=45
